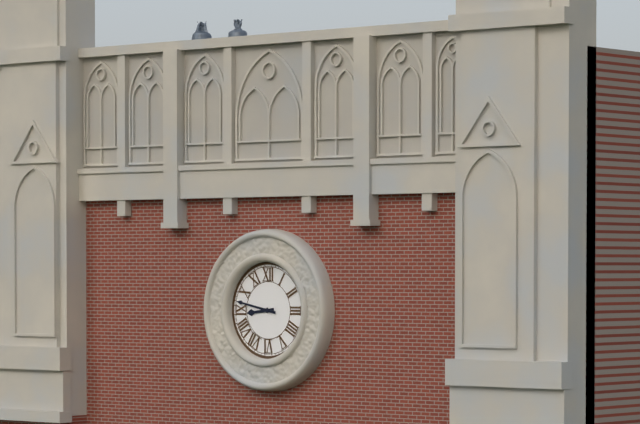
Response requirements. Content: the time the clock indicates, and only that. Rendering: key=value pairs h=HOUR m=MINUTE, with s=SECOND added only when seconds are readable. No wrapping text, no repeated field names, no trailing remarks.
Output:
h=8 m=47
